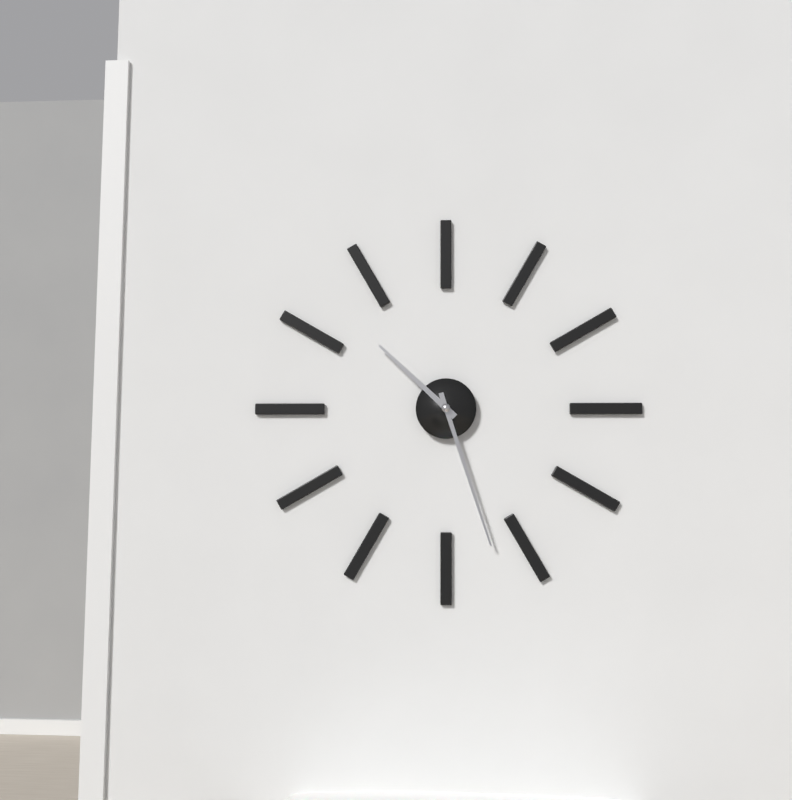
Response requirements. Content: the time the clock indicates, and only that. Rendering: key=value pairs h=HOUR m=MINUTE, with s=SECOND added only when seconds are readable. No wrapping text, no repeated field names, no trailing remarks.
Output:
h=10 m=27
